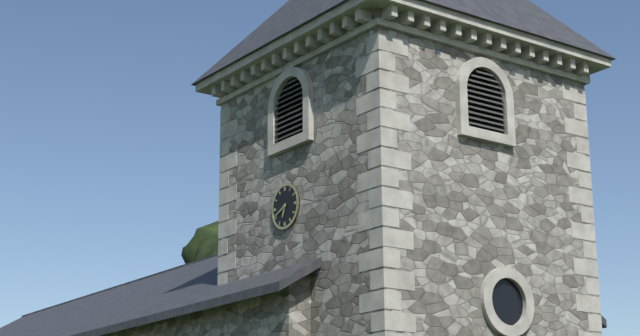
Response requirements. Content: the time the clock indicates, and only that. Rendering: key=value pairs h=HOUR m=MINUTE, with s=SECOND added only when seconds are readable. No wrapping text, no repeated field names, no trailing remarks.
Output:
h=6 m=41
